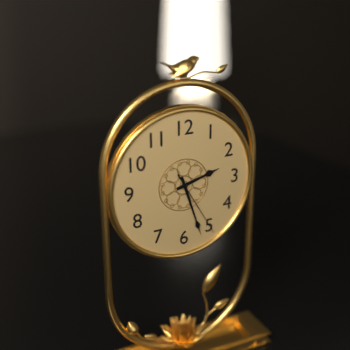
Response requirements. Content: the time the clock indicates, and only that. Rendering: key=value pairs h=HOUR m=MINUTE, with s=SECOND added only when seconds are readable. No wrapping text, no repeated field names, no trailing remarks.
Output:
h=2 m=27 s=25
